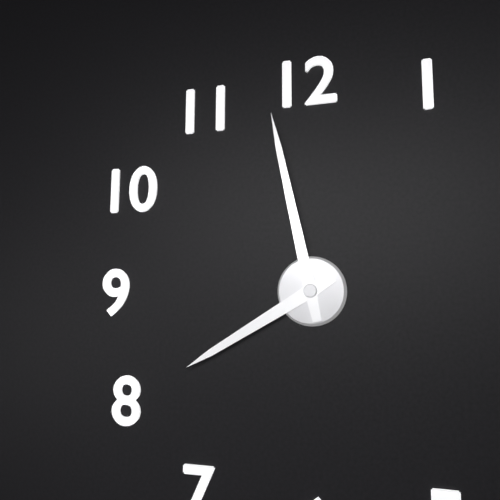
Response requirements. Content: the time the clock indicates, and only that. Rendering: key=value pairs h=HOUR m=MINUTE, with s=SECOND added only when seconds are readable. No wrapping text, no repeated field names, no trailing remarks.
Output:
h=7 m=58
